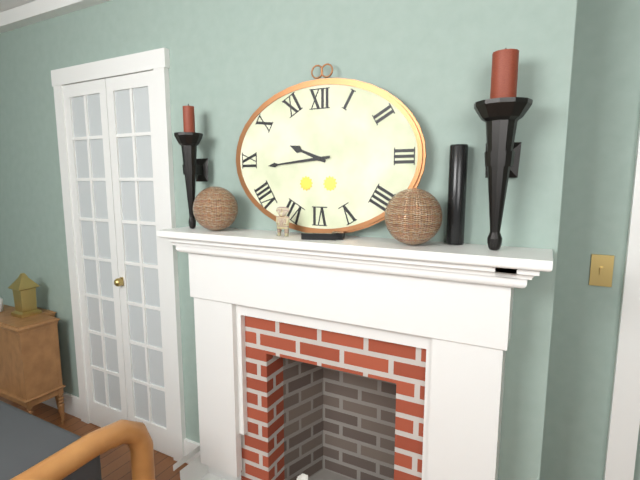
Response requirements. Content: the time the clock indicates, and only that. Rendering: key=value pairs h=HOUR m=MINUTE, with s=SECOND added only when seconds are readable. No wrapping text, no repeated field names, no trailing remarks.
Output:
h=9 m=44
